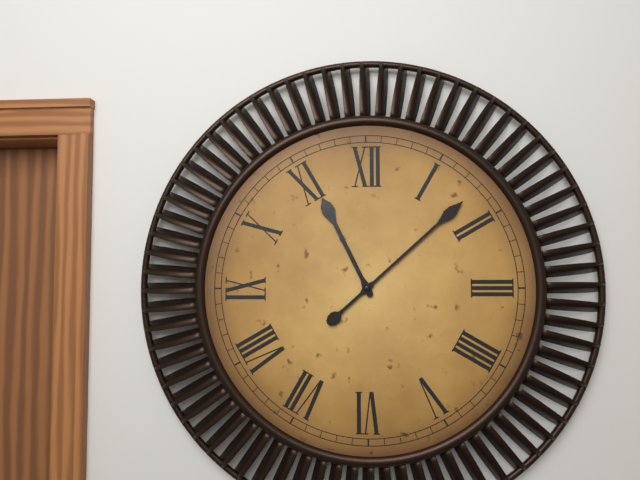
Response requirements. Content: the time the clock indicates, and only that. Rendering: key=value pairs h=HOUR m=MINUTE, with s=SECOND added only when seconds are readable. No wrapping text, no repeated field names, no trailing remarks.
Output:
h=11 m=8
